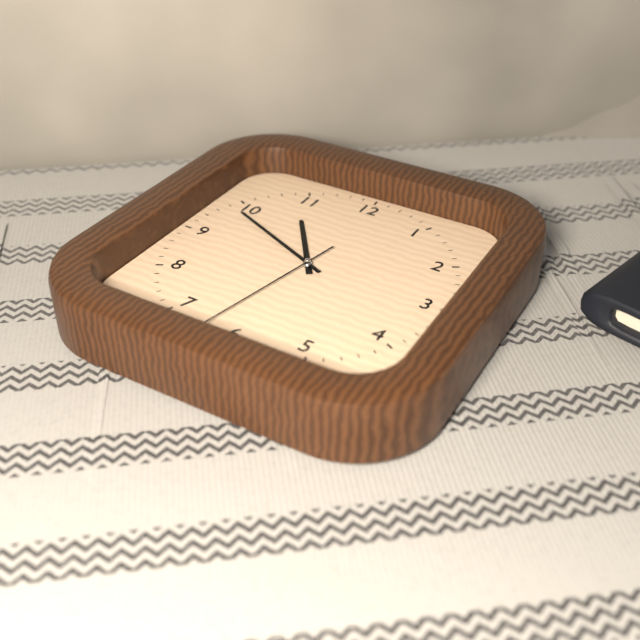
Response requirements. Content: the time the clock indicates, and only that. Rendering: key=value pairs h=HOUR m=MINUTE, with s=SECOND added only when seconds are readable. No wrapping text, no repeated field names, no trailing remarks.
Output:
h=10 m=49 s=32
